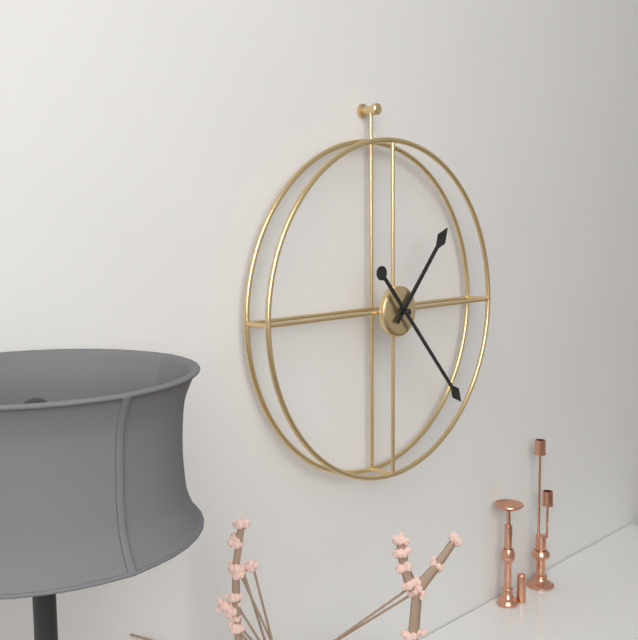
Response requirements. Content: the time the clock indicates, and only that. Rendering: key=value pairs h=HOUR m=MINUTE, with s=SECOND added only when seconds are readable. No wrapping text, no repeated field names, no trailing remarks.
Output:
h=1 m=23
